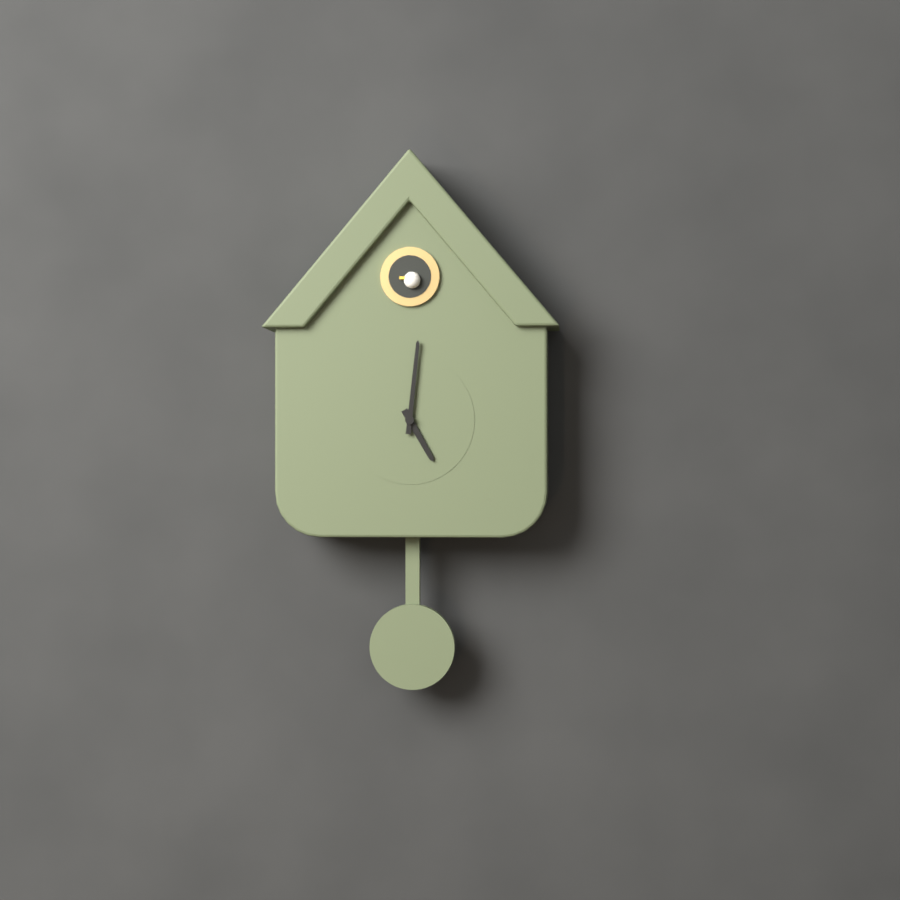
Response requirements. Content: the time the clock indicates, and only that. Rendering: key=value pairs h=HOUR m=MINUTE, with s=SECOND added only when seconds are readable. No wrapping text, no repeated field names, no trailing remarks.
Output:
h=5 m=1
